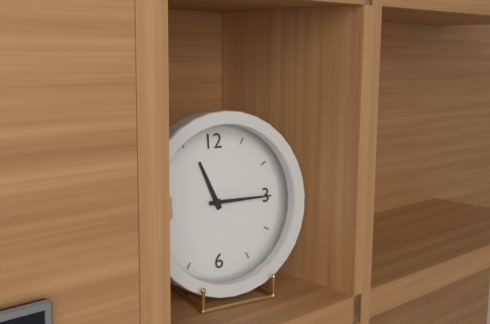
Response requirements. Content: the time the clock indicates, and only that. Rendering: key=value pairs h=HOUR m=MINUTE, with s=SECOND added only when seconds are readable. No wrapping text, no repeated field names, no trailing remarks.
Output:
h=11 m=15
